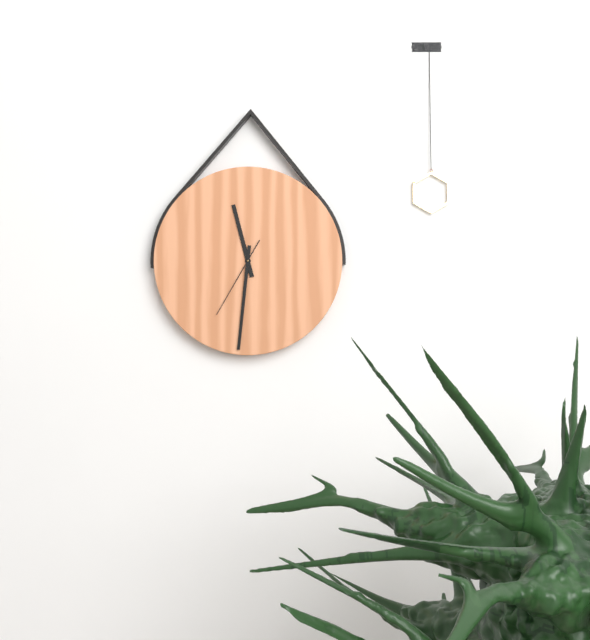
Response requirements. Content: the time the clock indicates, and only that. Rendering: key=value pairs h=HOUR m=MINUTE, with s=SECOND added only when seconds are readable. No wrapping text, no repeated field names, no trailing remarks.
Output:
h=11 m=31 s=35
